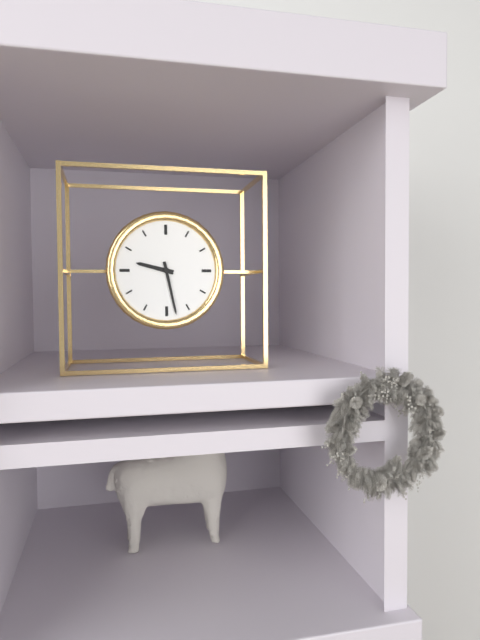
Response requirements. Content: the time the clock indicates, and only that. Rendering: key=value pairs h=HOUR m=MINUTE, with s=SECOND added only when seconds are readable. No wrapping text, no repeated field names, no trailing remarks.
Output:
h=9 m=28
